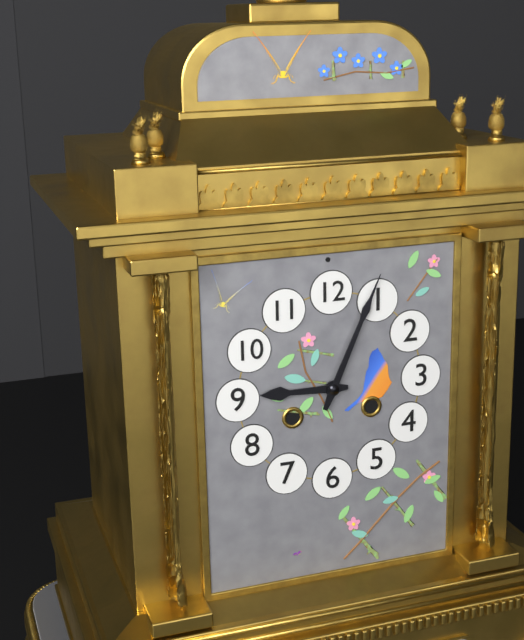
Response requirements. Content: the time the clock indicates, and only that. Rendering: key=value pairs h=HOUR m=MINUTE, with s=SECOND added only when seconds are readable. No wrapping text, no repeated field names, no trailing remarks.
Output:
h=9 m=4
